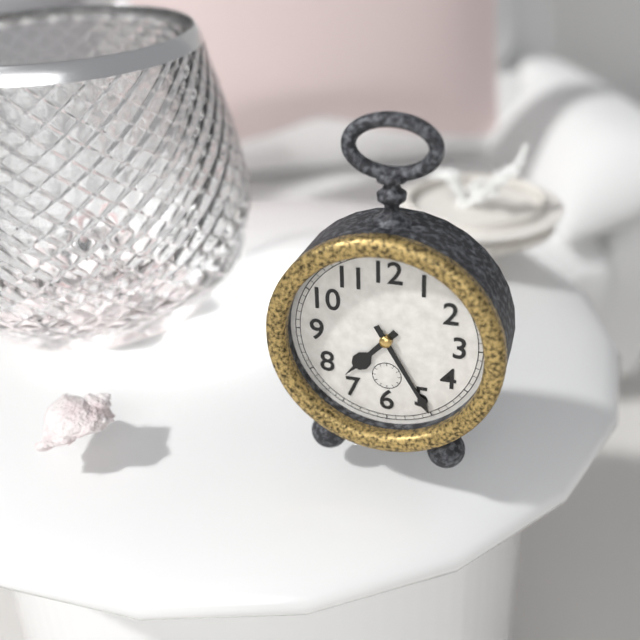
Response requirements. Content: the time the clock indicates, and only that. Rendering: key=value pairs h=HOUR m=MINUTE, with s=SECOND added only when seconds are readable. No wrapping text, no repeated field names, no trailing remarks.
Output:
h=7 m=25
